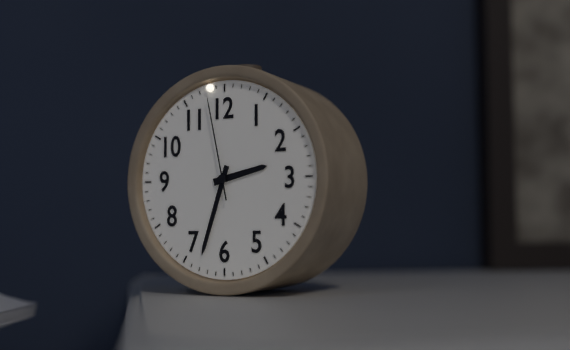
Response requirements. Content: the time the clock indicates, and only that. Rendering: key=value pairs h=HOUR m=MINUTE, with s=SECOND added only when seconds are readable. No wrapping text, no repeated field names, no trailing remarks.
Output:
h=2 m=33 s=58
